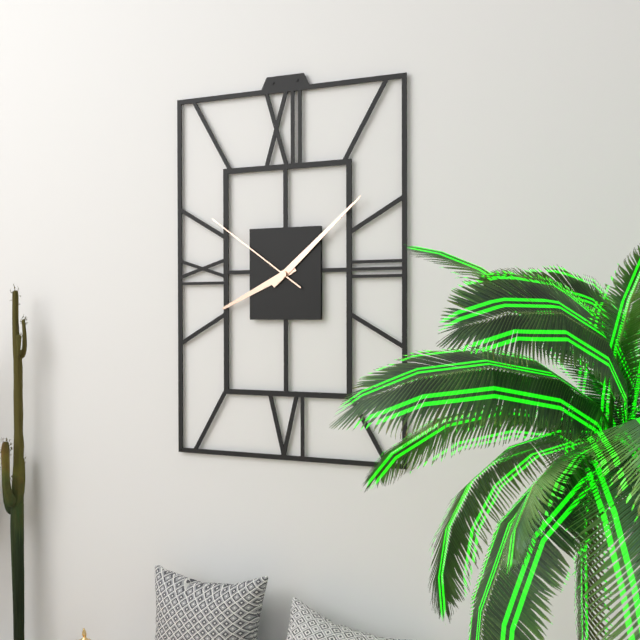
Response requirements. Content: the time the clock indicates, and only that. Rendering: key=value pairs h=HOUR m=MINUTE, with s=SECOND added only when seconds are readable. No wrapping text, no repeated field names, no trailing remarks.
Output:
h=8 m=8 s=51
